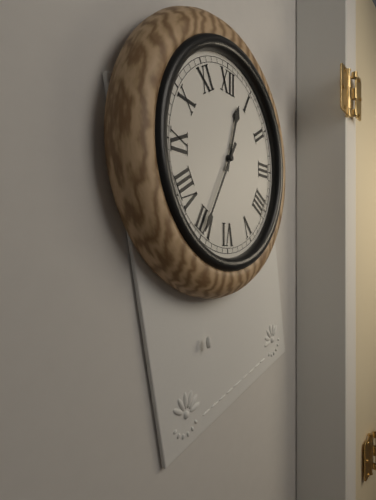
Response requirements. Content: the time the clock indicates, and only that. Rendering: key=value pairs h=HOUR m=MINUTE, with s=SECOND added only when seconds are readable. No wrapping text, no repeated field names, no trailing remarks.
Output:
h=12 m=35
